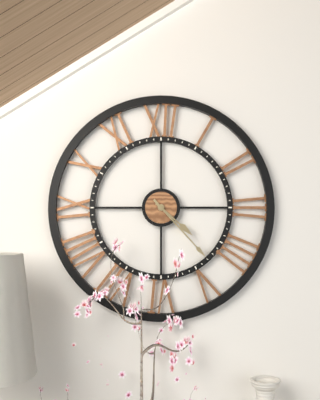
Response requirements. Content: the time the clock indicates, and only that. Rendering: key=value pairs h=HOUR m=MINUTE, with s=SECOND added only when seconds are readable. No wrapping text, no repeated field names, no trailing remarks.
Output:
h=4 m=23
